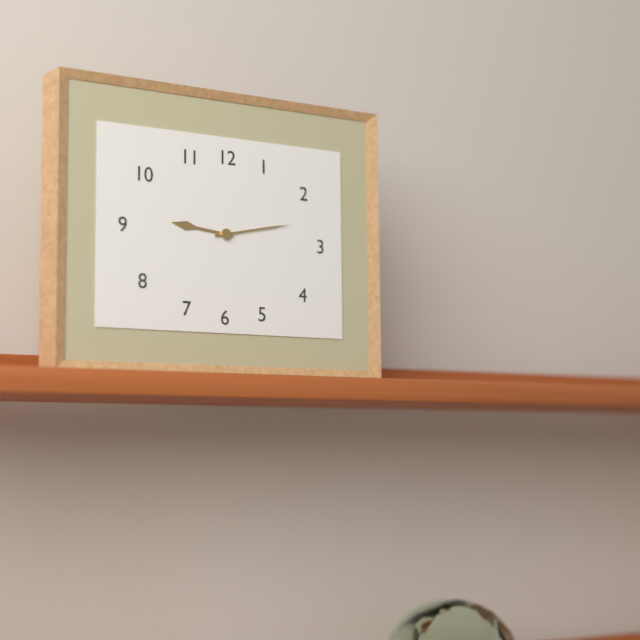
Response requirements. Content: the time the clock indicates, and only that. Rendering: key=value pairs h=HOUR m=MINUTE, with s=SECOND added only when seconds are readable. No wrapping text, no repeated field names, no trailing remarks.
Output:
h=9 m=13
